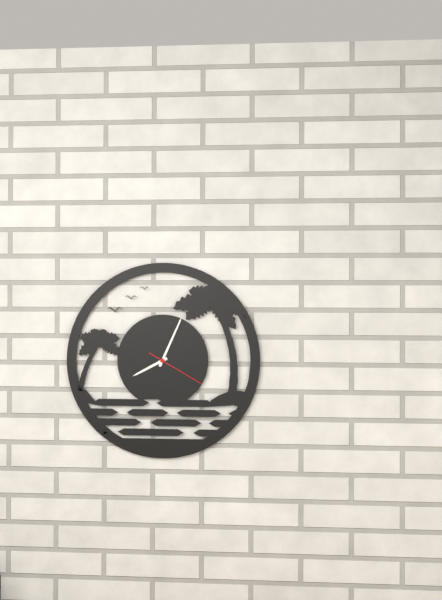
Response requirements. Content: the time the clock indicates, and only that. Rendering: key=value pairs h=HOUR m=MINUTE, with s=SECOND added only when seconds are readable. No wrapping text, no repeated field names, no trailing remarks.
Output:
h=8 m=4 s=20
